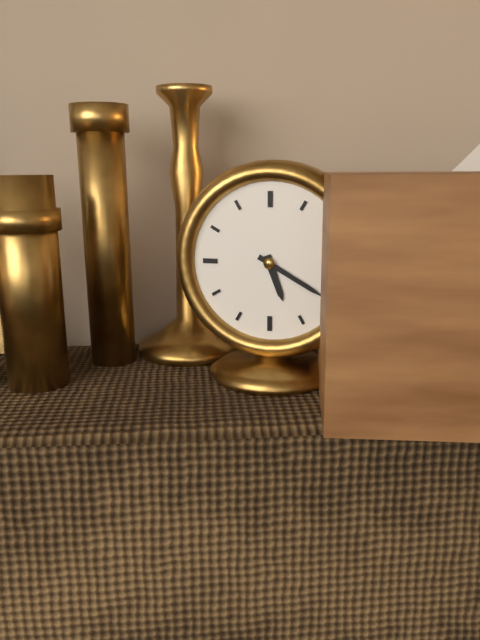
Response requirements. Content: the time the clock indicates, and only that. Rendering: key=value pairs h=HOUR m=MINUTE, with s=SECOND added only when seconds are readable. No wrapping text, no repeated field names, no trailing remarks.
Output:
h=5 m=20
